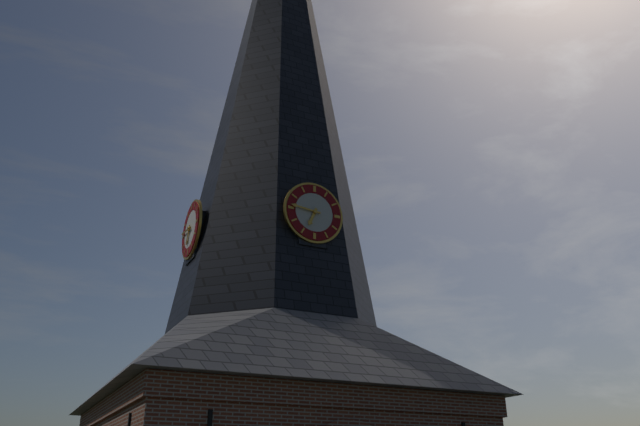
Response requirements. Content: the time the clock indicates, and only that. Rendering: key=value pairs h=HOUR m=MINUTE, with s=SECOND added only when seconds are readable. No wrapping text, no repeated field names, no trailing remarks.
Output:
h=6 m=46
